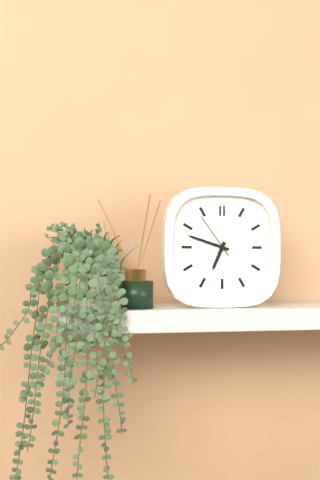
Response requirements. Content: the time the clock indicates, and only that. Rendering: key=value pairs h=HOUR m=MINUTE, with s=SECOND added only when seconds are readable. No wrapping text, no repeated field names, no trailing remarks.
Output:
h=6 m=48 s=54
